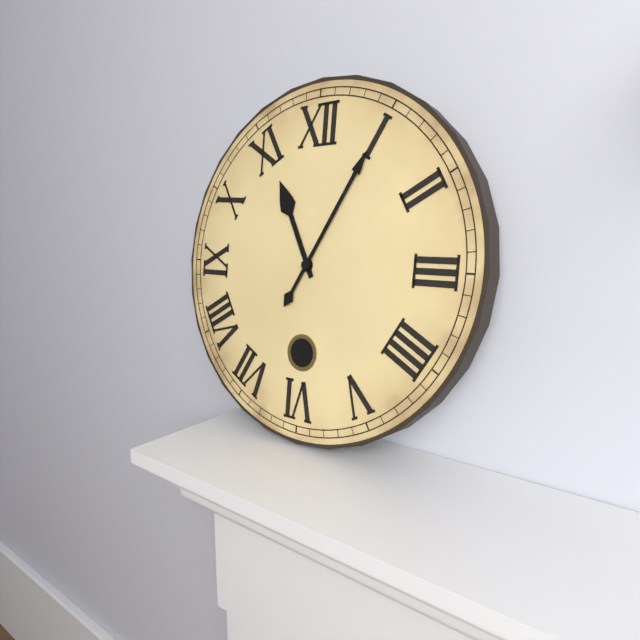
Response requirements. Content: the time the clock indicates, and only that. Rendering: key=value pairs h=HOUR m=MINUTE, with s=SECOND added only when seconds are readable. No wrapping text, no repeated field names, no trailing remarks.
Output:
h=11 m=5
